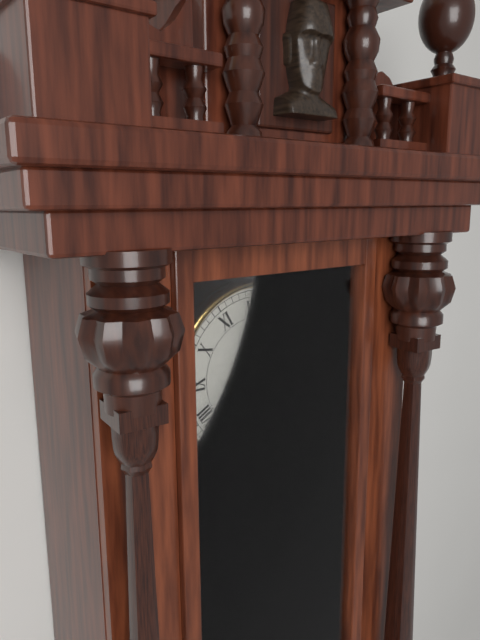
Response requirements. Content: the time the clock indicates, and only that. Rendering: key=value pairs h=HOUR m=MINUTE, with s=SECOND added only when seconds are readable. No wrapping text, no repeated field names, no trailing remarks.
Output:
h=3 m=39
